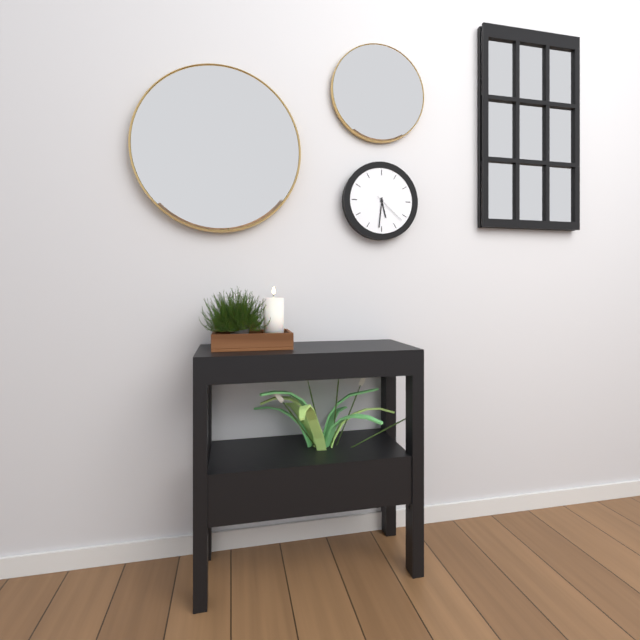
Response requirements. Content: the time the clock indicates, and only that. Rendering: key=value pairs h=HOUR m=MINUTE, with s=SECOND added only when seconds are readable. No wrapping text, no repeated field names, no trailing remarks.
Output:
h=5 m=31
